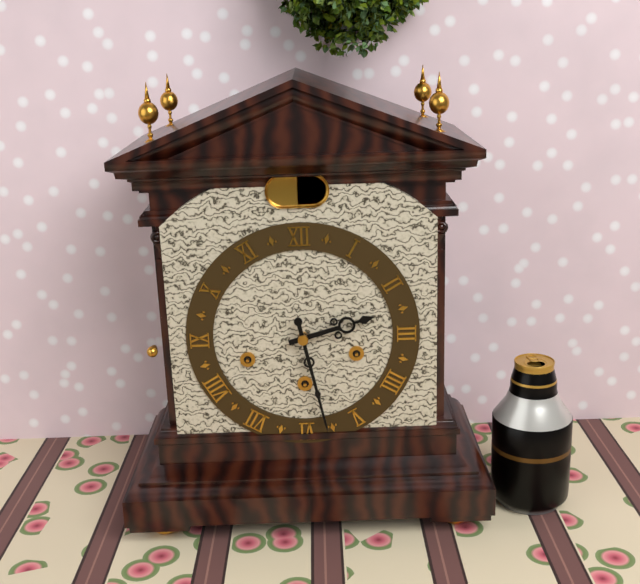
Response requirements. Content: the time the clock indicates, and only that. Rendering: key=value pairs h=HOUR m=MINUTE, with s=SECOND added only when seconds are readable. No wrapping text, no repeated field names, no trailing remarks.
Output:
h=2 m=28
